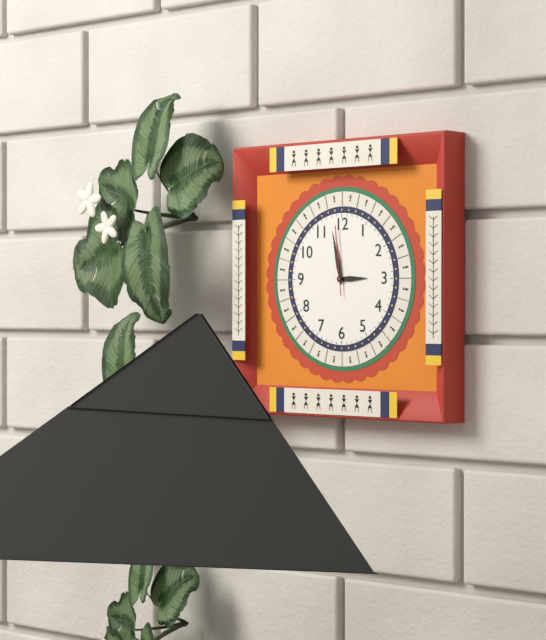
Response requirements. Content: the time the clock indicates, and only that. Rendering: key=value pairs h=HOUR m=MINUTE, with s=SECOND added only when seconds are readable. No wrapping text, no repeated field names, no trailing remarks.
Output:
h=2 m=58 s=59
